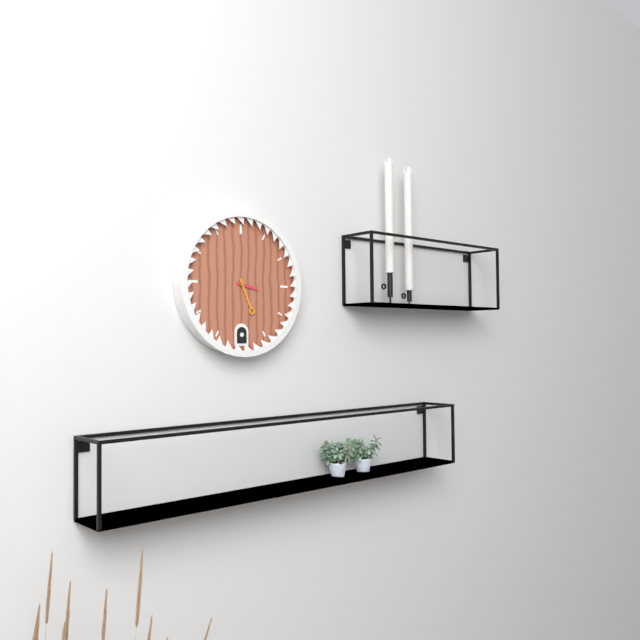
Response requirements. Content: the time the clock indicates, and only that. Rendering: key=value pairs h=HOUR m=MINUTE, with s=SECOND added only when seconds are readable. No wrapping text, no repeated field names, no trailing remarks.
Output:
h=3 m=26
